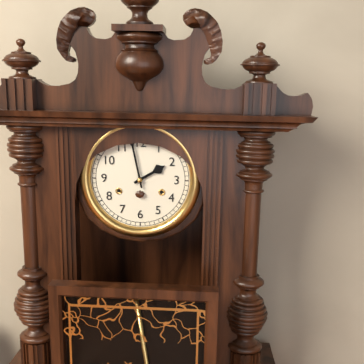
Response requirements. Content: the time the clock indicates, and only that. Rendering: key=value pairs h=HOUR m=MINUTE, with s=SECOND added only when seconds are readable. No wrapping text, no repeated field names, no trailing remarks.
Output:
h=1 m=58
